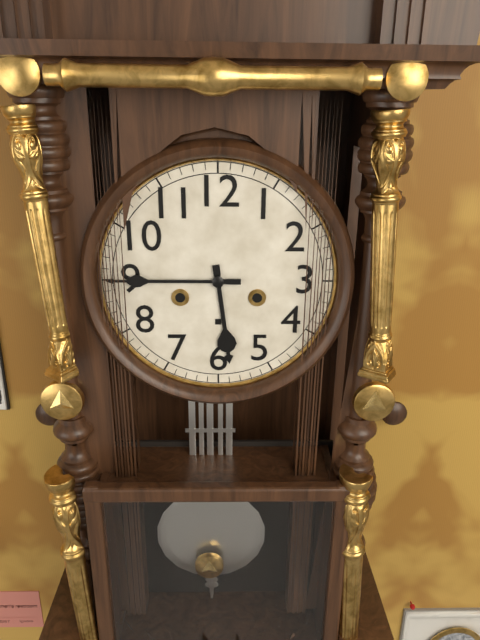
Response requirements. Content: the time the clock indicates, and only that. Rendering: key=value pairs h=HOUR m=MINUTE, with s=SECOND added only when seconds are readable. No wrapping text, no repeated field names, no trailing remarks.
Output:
h=5 m=45
